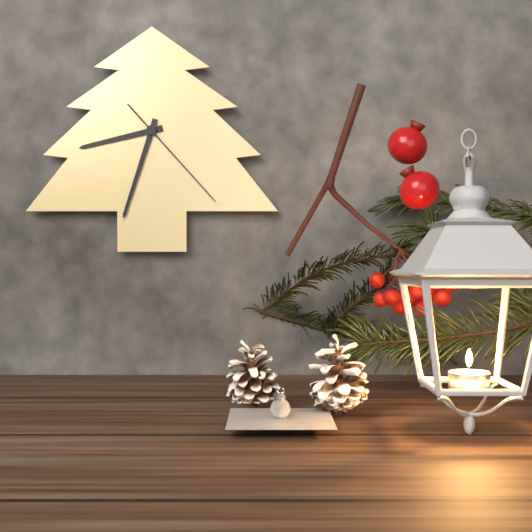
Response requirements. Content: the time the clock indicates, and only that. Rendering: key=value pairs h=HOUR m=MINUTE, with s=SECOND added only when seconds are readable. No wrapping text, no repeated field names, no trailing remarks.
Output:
h=8 m=33 s=23
